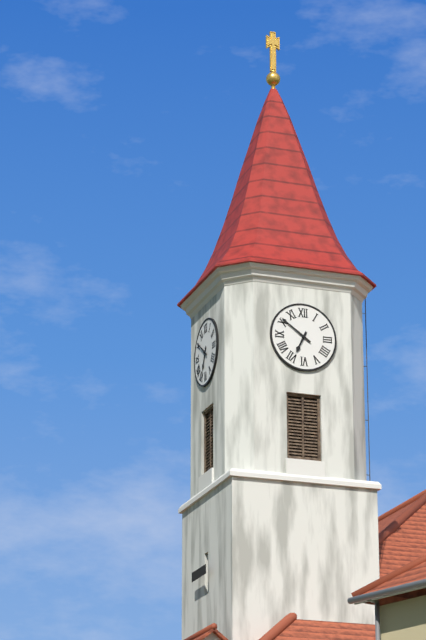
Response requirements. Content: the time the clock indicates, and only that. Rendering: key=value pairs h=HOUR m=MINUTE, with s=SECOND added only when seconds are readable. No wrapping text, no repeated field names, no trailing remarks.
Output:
h=6 m=51
